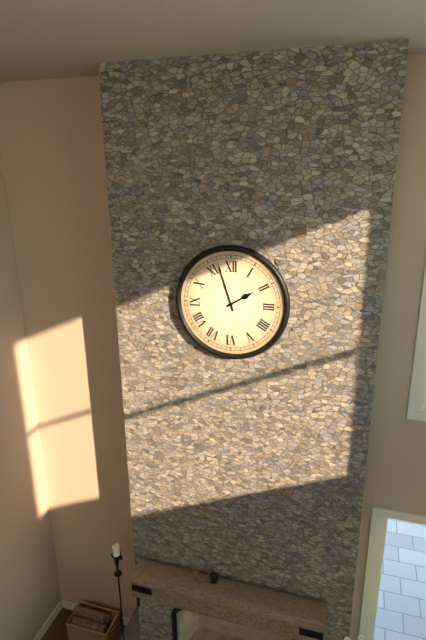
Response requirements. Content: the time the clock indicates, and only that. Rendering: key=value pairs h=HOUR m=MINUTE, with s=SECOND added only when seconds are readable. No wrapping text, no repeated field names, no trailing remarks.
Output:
h=1 m=57
